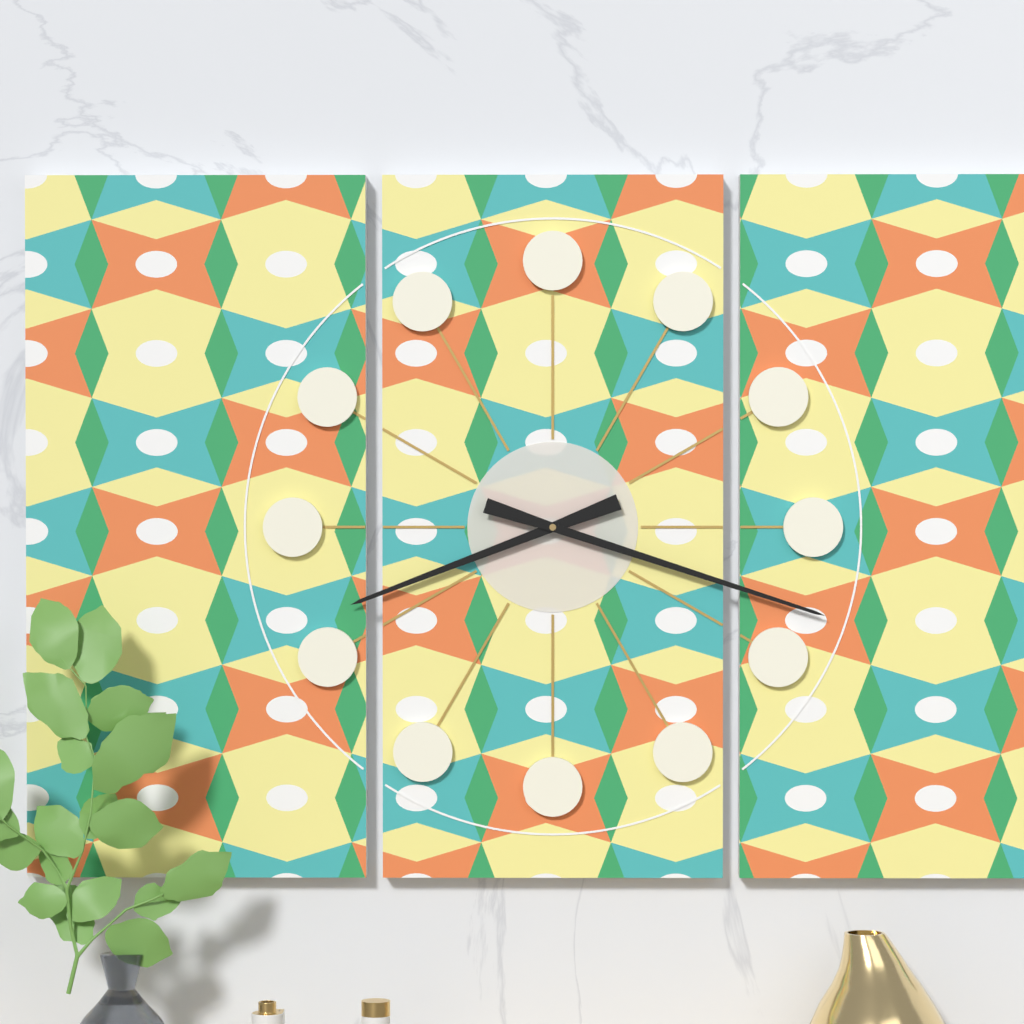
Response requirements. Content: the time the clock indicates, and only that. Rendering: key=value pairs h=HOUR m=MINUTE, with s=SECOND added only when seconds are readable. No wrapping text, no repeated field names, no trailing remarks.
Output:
h=8 m=18
